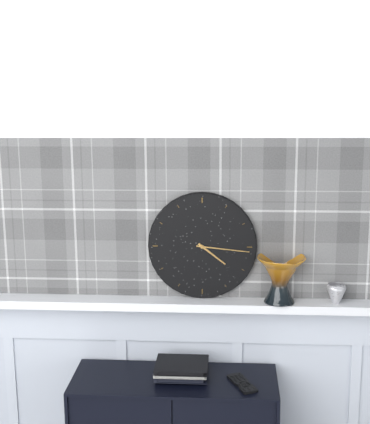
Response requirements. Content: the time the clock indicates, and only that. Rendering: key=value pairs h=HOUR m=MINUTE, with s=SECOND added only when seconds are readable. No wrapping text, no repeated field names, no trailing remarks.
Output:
h=4 m=16
